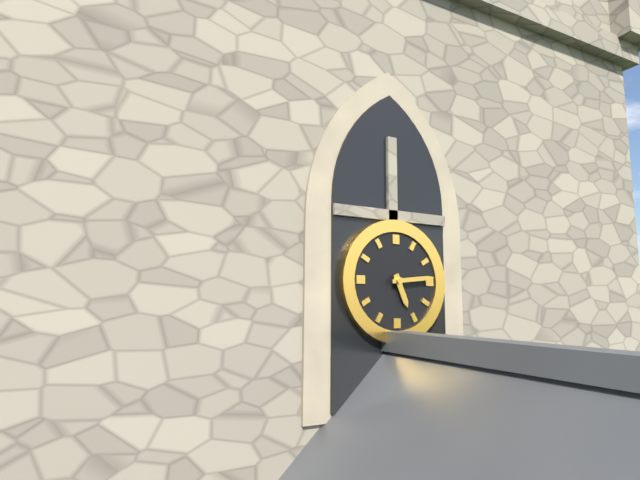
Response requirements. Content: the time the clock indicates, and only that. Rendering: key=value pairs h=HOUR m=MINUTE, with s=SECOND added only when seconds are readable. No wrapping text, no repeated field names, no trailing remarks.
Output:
h=5 m=14
